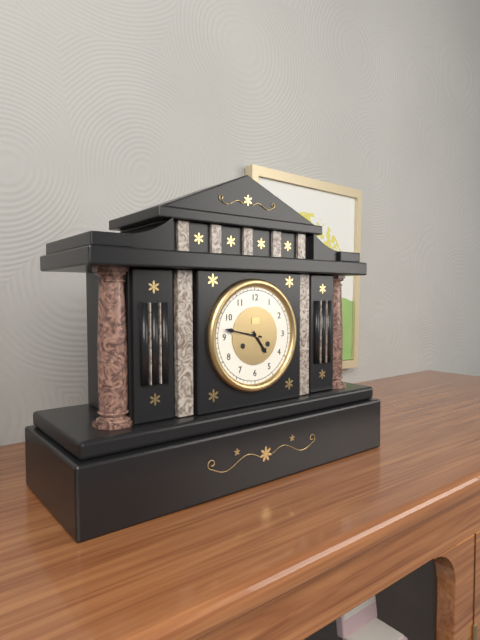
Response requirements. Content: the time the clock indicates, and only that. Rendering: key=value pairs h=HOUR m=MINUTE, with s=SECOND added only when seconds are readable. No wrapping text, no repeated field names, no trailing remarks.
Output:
h=4 m=47
